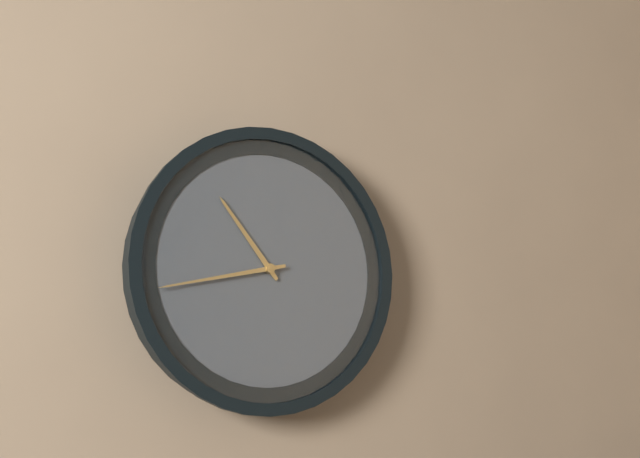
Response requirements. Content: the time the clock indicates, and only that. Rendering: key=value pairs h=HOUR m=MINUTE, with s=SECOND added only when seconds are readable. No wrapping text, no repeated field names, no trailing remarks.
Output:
h=10 m=43
